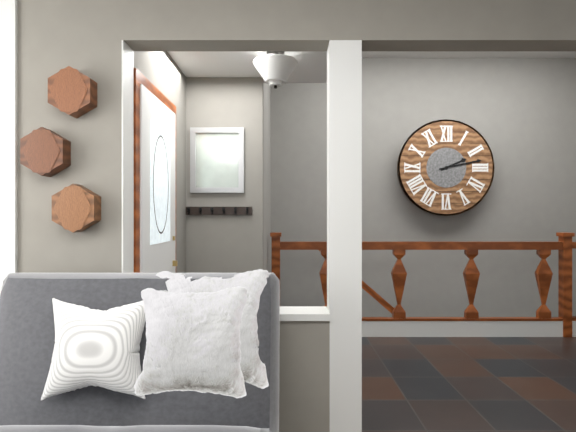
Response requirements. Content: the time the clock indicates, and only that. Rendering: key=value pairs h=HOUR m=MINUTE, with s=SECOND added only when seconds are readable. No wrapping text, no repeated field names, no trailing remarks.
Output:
h=2 m=13
